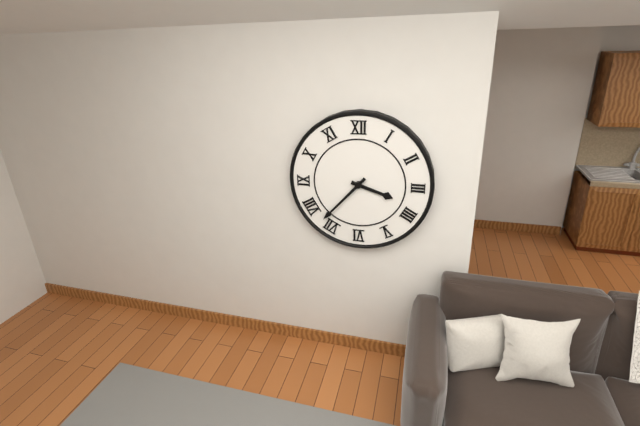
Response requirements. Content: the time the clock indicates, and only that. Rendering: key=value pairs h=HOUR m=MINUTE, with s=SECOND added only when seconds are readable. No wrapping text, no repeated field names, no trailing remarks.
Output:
h=3 m=37
